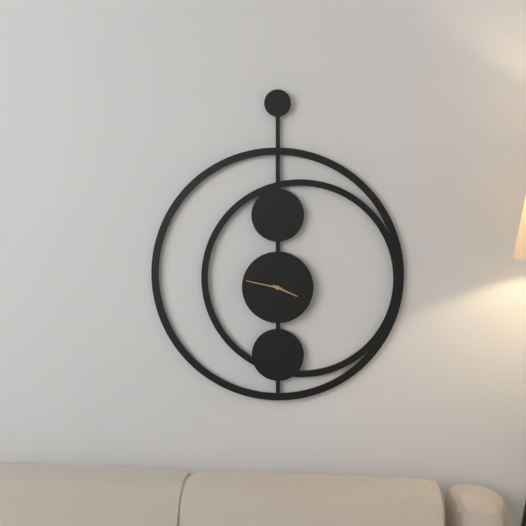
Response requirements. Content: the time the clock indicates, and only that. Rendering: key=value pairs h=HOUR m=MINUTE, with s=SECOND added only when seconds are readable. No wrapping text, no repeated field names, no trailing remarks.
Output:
h=3 m=47
